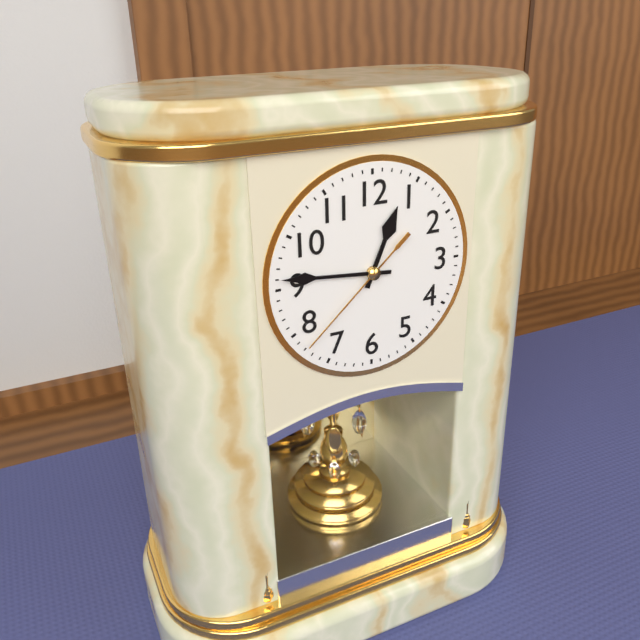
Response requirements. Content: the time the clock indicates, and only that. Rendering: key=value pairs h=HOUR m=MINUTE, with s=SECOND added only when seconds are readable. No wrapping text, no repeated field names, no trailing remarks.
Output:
h=12 m=46 s=38
